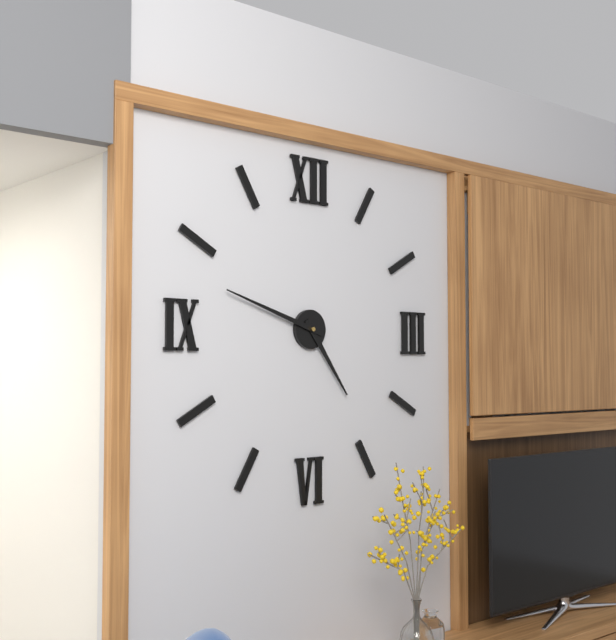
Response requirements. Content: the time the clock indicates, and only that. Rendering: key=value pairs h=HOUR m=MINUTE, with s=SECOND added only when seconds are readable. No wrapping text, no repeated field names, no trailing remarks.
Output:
h=4 m=48
